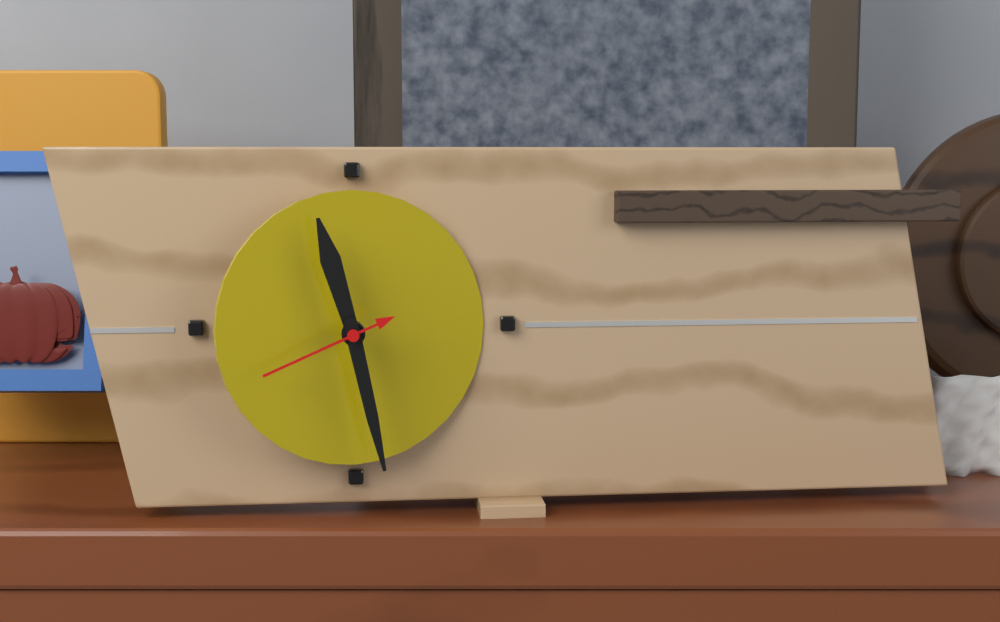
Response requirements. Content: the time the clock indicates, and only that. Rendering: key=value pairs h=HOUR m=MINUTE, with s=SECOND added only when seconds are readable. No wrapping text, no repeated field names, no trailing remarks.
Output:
h=11 m=28 s=41
